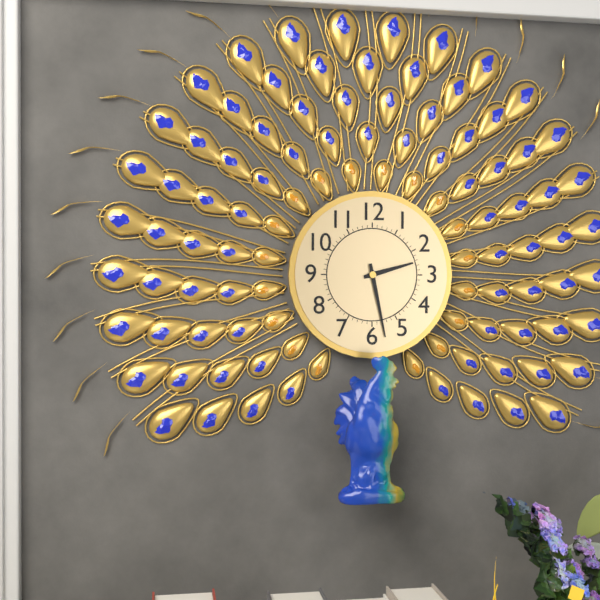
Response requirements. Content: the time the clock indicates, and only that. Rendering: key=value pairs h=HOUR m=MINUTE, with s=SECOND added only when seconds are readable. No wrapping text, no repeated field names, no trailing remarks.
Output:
h=2 m=28
